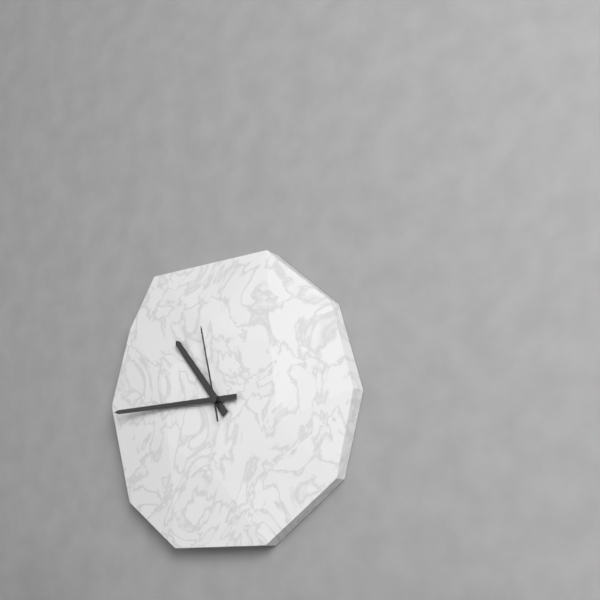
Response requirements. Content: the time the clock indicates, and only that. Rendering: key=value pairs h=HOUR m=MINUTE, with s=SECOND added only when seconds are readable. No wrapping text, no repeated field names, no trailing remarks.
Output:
h=10 m=45 s=58
